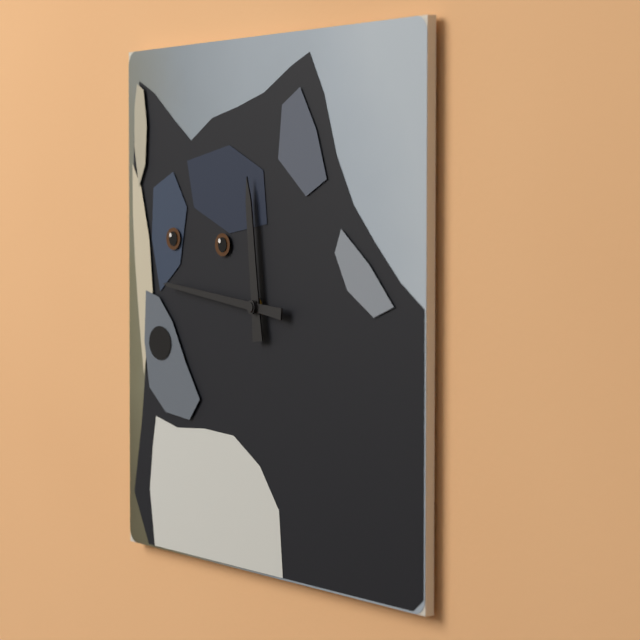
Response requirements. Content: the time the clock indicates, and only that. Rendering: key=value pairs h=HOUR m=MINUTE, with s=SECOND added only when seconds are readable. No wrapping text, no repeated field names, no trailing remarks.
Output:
h=11 m=46
